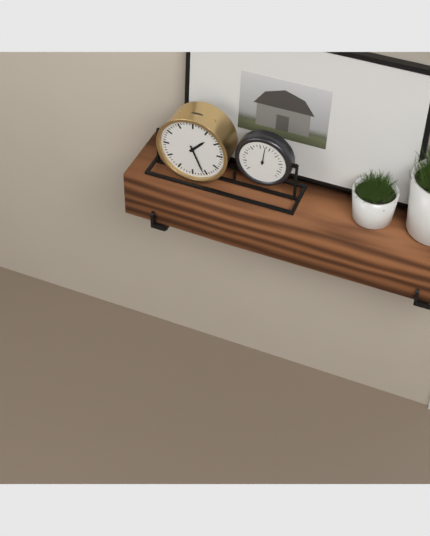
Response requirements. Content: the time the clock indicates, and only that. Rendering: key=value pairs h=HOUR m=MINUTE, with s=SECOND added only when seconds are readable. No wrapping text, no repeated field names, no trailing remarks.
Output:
h=1 m=26
